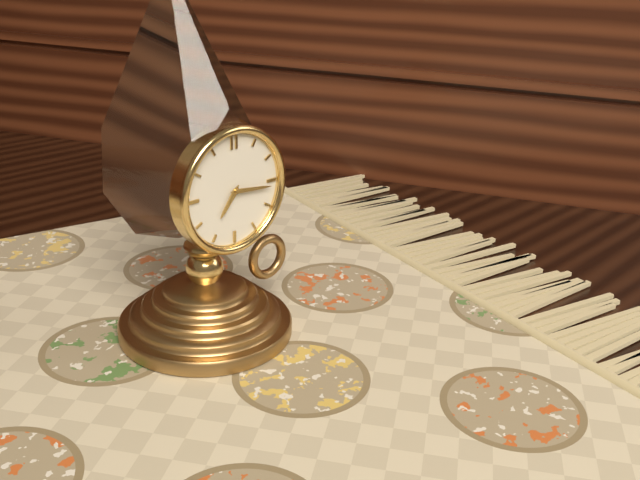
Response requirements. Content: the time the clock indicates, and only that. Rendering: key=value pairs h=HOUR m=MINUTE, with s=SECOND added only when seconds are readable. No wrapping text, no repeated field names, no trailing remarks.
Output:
h=7 m=16
